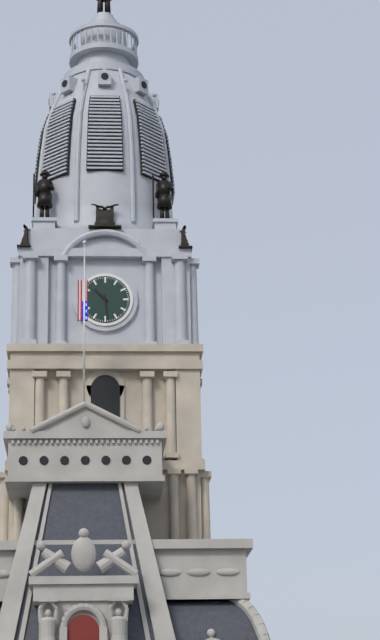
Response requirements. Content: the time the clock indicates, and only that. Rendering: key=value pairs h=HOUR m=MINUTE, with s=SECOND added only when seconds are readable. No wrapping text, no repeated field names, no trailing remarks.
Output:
h=10 m=29
